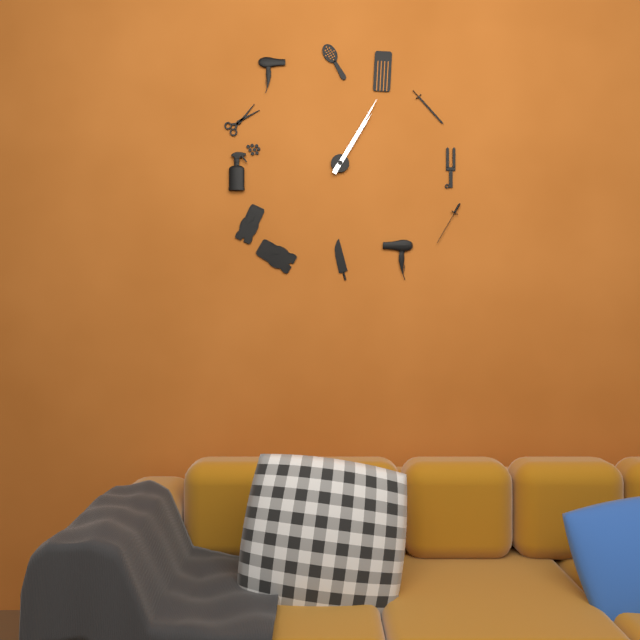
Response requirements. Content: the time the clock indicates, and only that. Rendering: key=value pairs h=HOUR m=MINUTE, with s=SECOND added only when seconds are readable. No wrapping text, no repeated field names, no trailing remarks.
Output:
h=1 m=5
